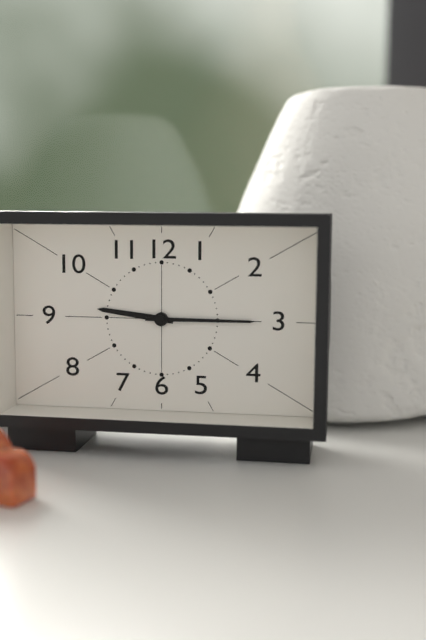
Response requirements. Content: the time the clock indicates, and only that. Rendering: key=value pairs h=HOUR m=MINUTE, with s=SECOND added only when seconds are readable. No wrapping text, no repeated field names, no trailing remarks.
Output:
h=9 m=15
